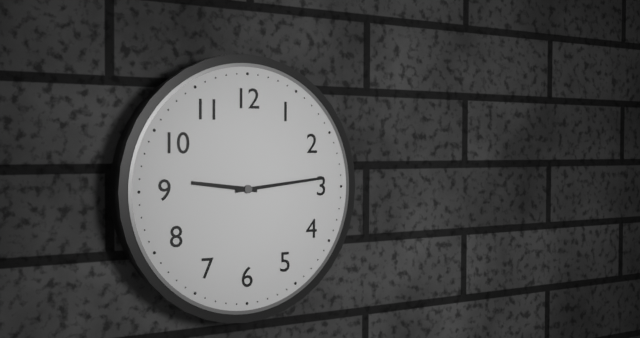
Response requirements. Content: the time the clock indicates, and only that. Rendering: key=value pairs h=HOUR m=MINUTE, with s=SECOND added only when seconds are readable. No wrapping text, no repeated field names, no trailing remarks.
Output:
h=9 m=14
